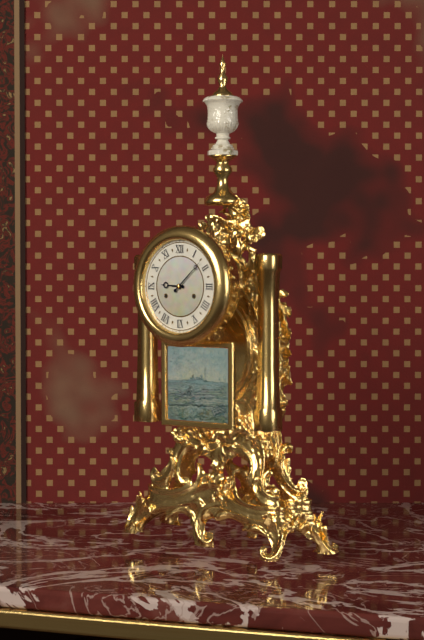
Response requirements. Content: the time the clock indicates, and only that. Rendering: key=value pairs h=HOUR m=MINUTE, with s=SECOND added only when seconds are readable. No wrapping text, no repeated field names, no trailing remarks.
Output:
h=9 m=8
